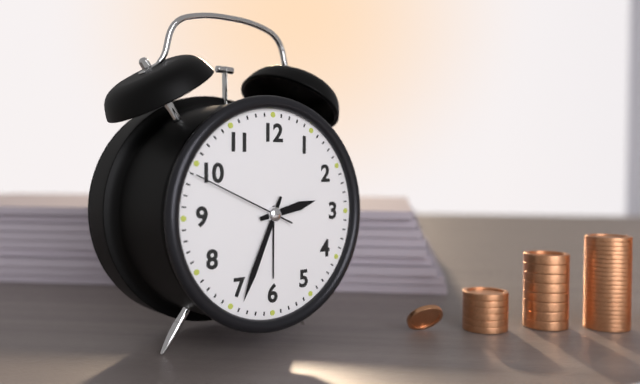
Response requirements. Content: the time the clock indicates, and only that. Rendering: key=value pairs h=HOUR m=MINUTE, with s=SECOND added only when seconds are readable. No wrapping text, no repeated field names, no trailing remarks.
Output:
h=2 m=34 s=49
